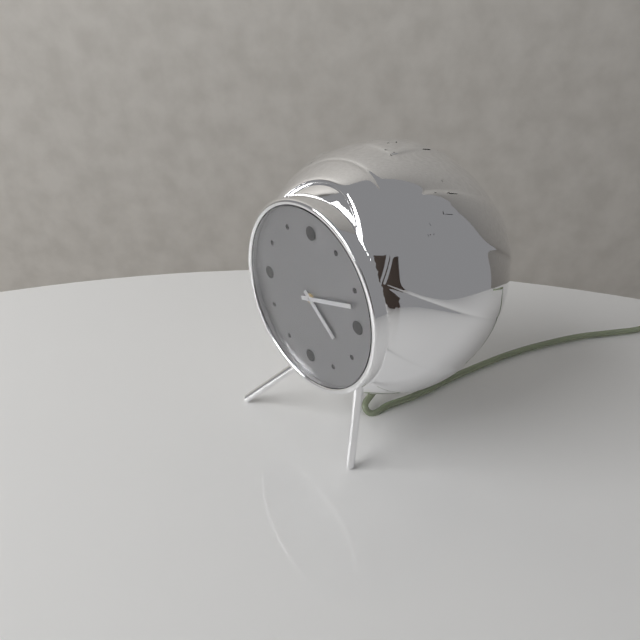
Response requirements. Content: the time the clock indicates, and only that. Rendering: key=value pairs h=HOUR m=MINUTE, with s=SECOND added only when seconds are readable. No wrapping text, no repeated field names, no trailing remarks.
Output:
h=4 m=12
